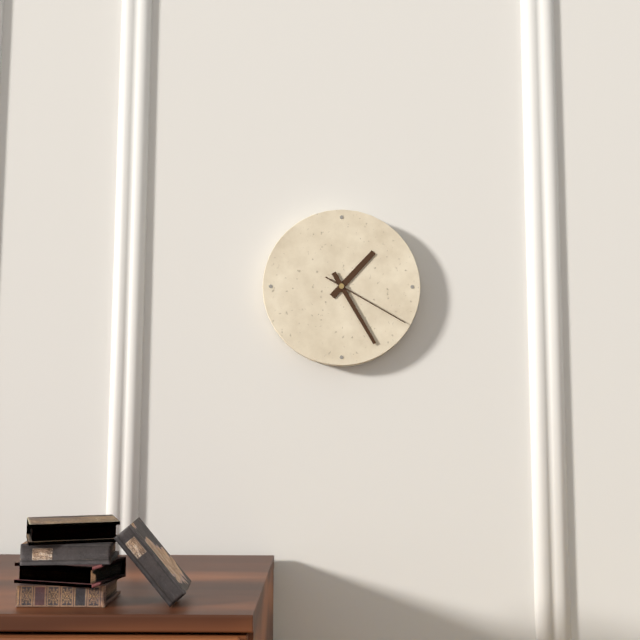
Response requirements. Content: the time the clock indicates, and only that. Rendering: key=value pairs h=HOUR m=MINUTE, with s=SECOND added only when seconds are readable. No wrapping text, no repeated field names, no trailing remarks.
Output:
h=1 m=25 s=20
